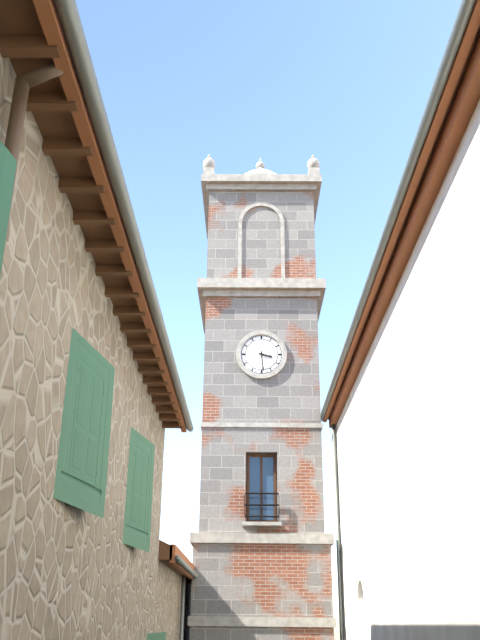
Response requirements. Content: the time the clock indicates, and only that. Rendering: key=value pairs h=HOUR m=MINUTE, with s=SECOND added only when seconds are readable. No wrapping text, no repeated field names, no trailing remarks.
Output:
h=3 m=29
